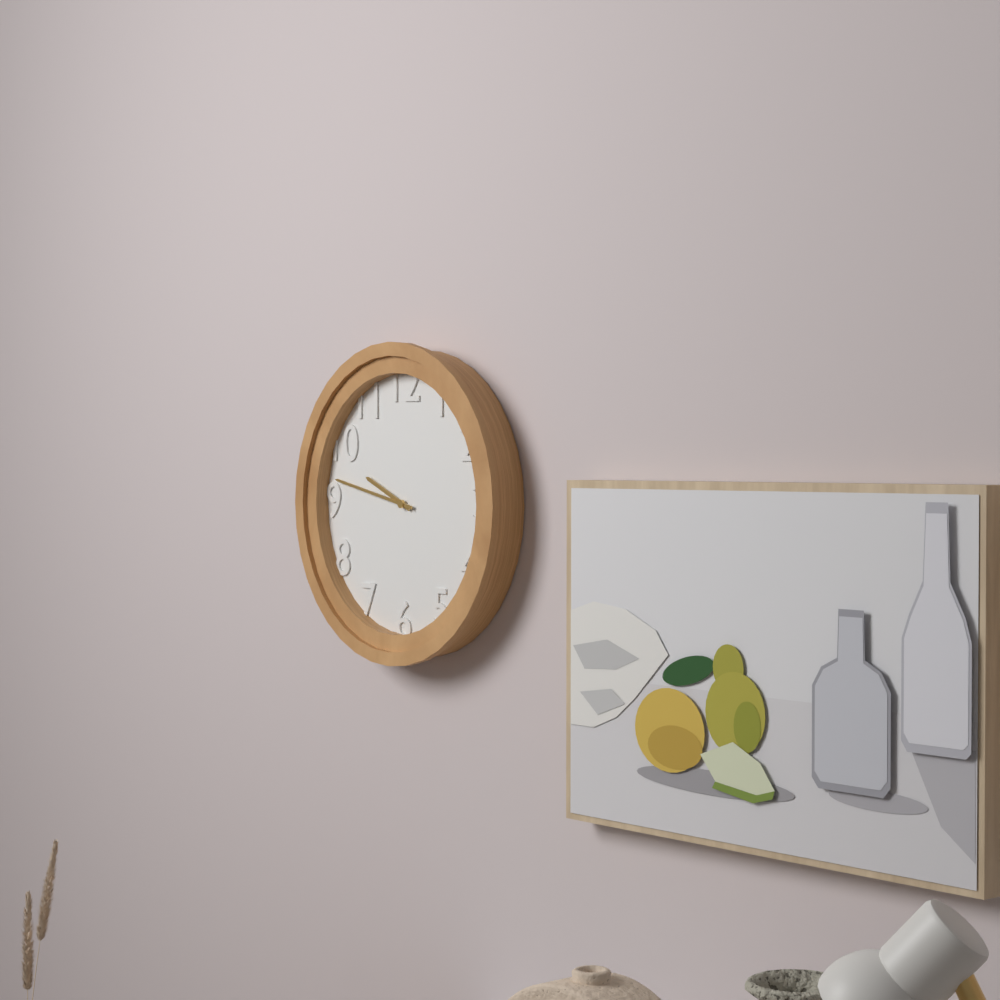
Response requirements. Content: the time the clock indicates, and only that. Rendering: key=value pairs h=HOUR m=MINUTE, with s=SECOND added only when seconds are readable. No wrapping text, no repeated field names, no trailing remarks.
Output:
h=9 m=47
